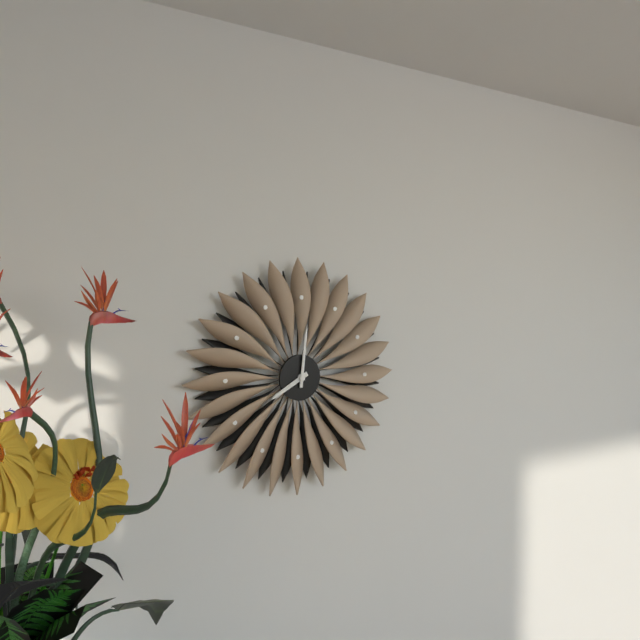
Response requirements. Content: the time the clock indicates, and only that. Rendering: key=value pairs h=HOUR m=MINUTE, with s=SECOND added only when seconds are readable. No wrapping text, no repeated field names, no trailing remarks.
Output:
h=8 m=1
